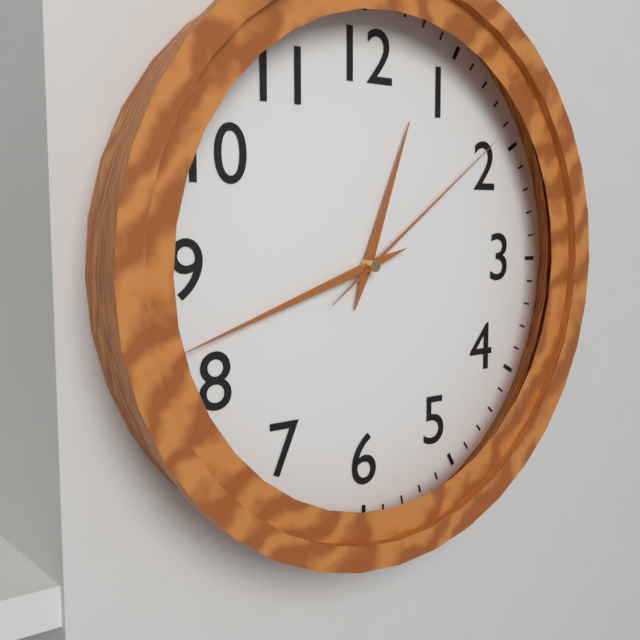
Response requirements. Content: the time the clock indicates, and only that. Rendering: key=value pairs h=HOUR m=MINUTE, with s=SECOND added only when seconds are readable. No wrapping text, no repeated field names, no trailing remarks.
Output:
h=12 m=42 s=9
